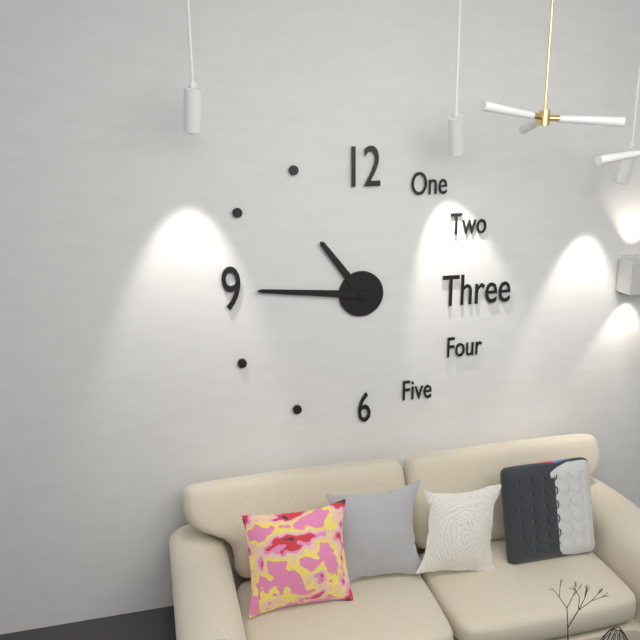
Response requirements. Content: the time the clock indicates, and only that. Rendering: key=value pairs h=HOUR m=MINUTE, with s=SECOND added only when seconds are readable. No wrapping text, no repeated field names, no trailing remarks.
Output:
h=10 m=46
